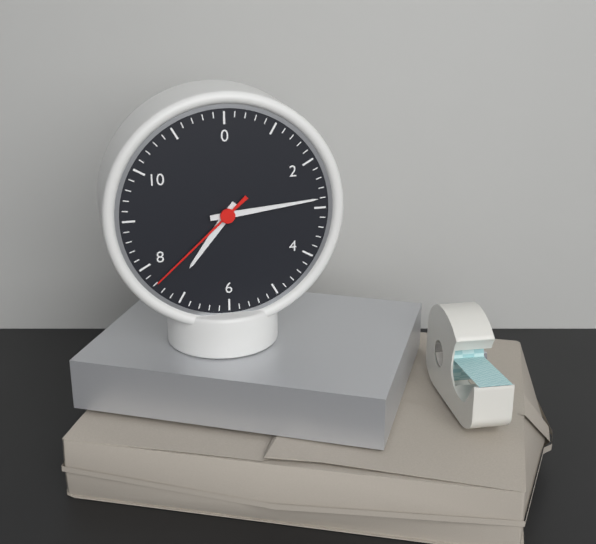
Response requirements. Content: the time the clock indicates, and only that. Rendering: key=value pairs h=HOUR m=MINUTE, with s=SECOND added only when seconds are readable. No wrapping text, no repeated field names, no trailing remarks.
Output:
h=7 m=14 s=38
